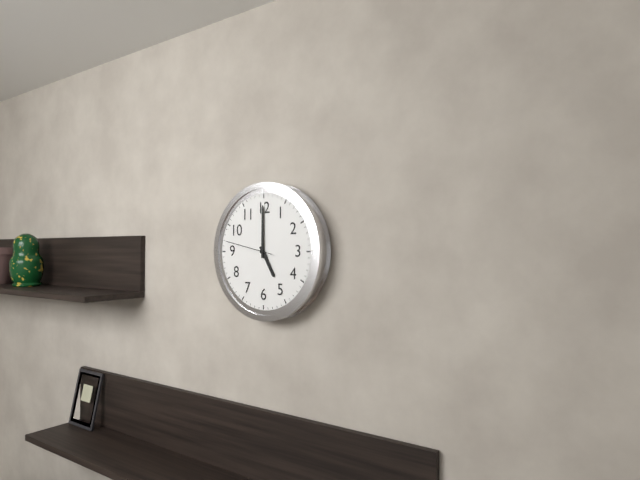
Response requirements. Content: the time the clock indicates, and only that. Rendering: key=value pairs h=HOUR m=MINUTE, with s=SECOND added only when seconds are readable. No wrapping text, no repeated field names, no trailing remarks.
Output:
h=5 m=0
